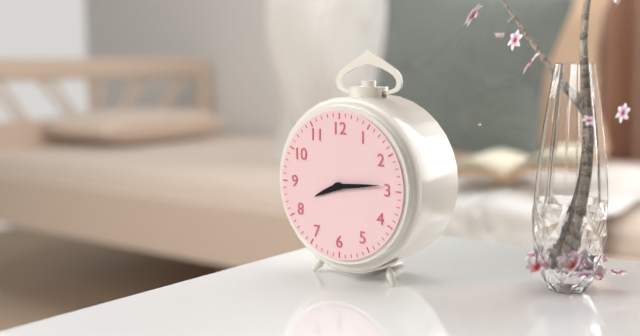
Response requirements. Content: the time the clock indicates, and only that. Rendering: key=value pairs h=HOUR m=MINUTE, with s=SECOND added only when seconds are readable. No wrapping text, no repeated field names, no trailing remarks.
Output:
h=8 m=14
